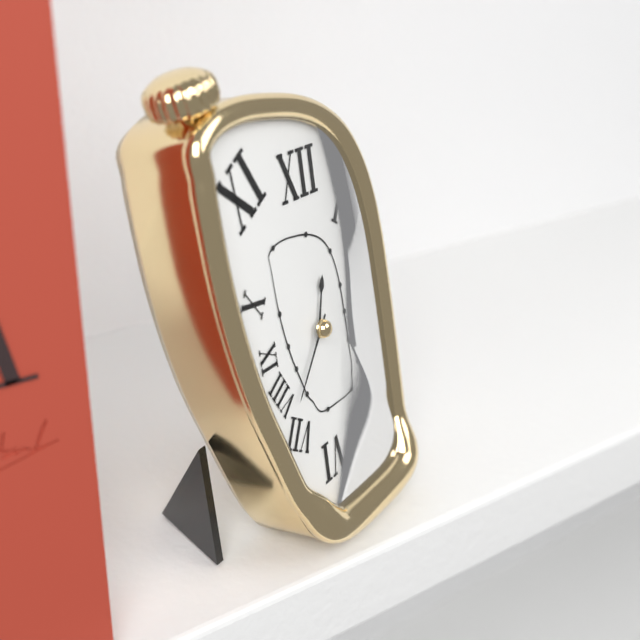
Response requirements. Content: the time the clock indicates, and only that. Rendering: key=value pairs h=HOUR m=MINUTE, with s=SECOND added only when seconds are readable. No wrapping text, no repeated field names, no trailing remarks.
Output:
h=12 m=37
